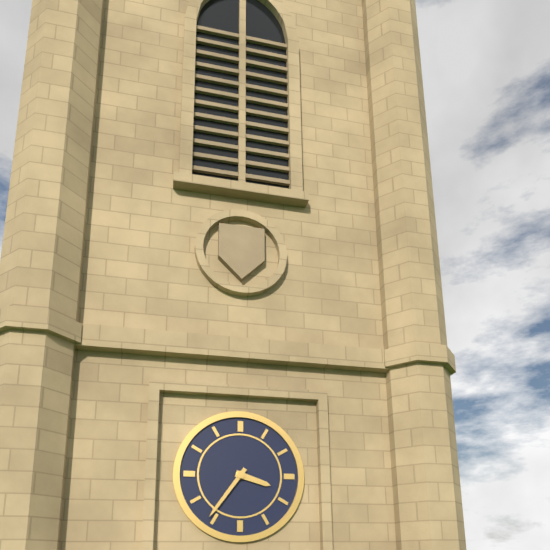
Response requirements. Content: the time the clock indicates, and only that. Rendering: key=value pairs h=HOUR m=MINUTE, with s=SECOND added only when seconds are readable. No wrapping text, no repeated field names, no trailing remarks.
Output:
h=3 m=36
